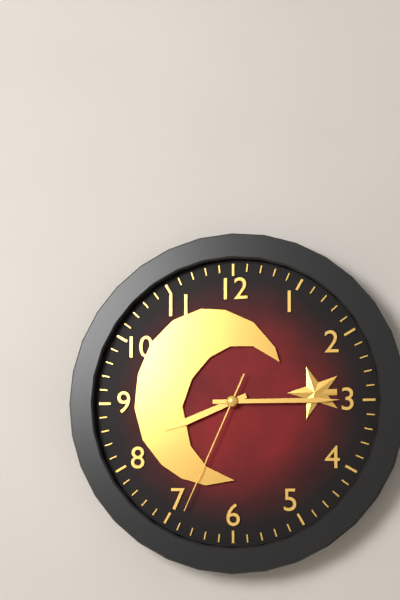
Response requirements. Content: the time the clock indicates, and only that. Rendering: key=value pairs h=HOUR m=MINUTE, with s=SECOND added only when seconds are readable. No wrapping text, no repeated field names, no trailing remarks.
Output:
h=8 m=15 s=34
